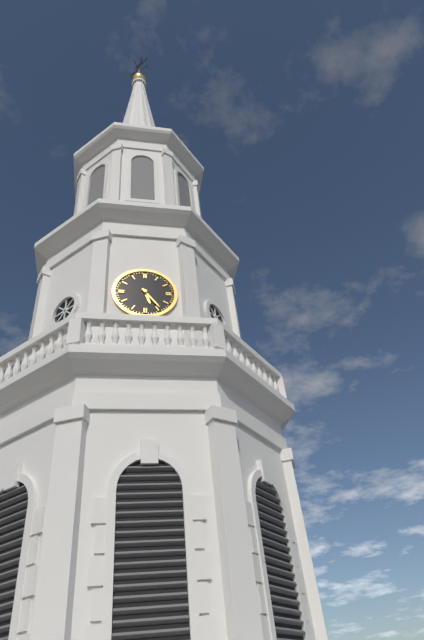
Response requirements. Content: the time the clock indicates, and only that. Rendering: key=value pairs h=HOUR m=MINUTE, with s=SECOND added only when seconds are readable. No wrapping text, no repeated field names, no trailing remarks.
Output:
h=5 m=24
